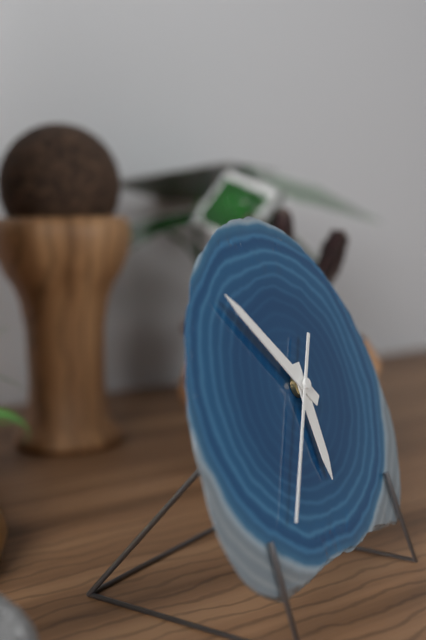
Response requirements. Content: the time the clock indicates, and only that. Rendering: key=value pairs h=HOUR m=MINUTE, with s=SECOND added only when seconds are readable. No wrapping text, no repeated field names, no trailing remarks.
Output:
h=5 m=53 s=36
